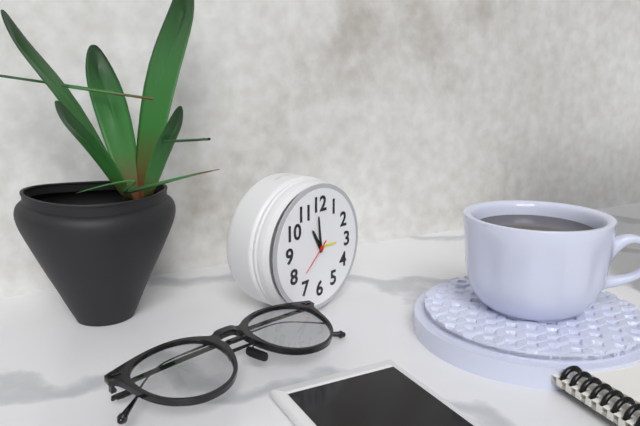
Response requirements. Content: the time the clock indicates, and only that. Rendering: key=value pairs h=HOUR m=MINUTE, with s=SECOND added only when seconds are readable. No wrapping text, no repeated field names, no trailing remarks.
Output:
h=10 m=59
